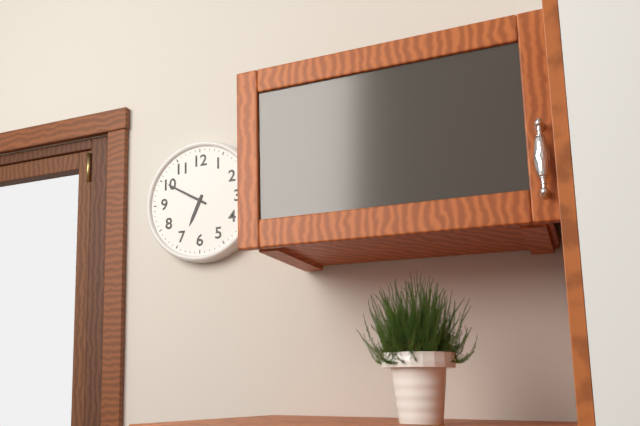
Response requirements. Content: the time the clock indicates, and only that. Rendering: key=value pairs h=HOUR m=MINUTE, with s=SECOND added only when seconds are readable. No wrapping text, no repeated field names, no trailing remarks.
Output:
h=6 m=50
